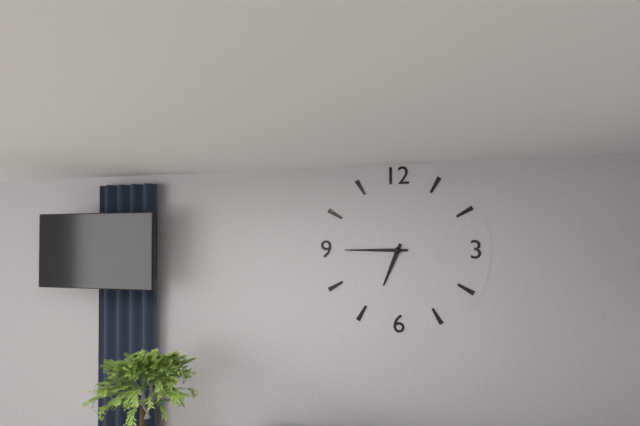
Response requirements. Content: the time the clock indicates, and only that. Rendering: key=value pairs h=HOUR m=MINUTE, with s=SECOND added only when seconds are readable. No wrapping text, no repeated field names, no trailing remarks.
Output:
h=6 m=45
